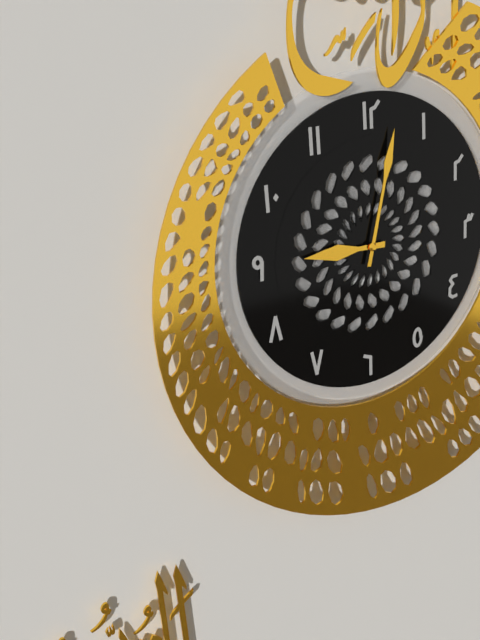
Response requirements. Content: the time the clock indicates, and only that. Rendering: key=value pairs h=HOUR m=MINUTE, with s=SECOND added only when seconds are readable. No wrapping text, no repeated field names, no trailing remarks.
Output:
h=9 m=2
